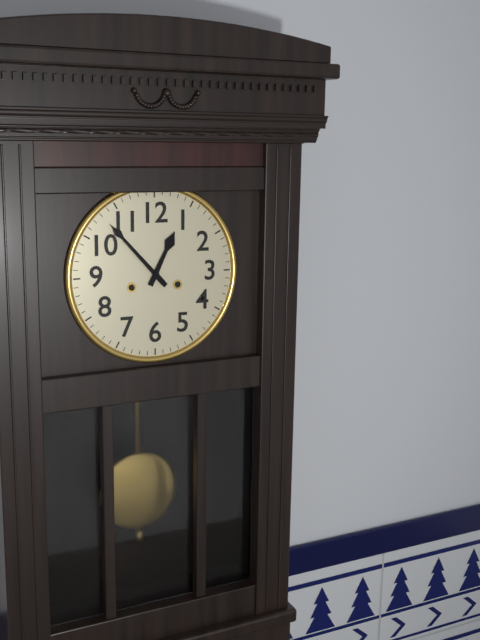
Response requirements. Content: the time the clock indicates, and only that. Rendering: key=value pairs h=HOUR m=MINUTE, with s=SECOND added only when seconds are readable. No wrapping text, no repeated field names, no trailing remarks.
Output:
h=12 m=53
